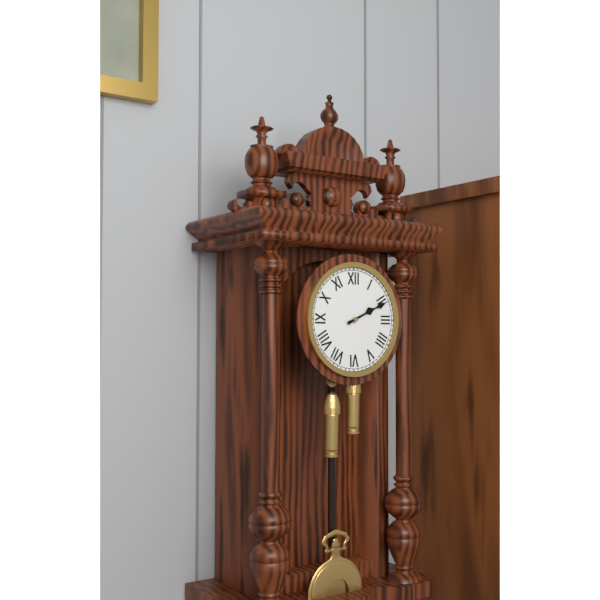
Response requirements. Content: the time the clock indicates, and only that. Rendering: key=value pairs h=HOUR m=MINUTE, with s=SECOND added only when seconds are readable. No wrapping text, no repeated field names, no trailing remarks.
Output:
h=2 m=11
